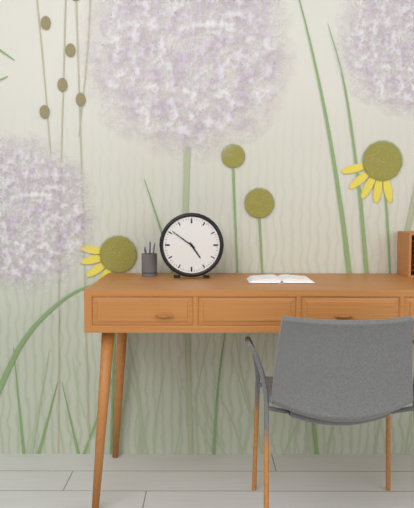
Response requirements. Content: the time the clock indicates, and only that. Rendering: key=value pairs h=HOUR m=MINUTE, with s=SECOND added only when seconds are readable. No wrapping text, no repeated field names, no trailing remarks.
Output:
h=4 m=51
